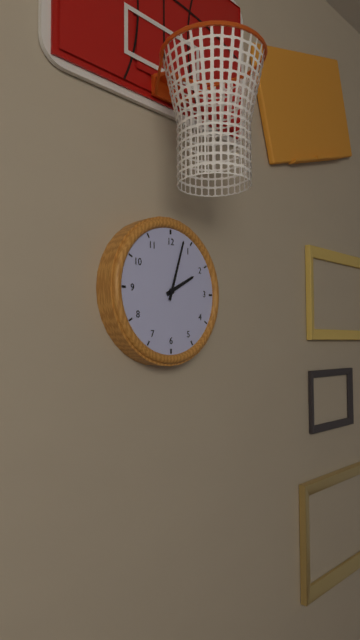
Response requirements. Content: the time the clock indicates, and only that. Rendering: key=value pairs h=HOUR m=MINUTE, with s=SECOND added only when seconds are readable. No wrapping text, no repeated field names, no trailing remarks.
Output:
h=2 m=3
